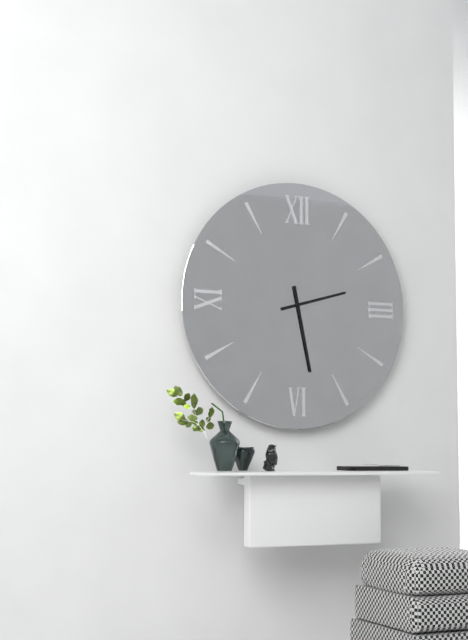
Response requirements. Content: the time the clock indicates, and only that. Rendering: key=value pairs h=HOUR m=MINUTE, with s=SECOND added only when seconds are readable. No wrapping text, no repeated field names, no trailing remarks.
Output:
h=2 m=28
